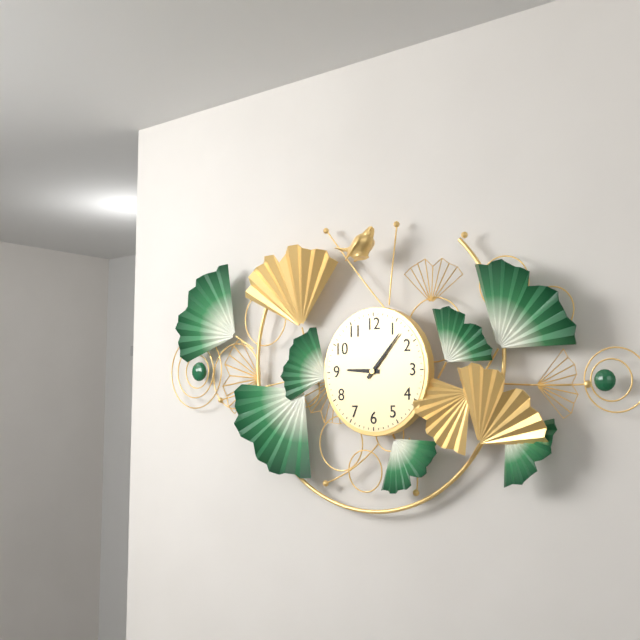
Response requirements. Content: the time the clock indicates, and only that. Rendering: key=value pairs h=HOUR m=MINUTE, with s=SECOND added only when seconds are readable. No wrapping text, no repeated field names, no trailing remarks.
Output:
h=9 m=7
